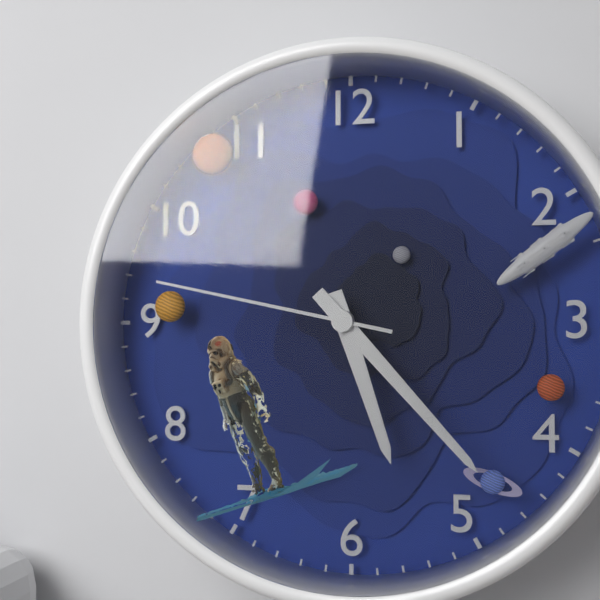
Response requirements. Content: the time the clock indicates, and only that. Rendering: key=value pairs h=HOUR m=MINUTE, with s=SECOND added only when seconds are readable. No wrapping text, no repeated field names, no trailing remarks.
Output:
h=5 m=23 s=47
